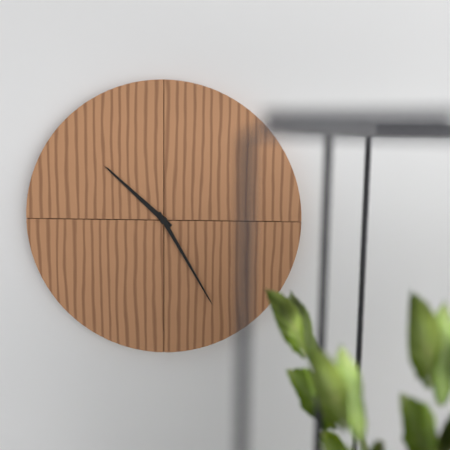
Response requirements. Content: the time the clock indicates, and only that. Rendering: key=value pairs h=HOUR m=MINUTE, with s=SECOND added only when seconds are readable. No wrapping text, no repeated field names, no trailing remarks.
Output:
h=10 m=25
